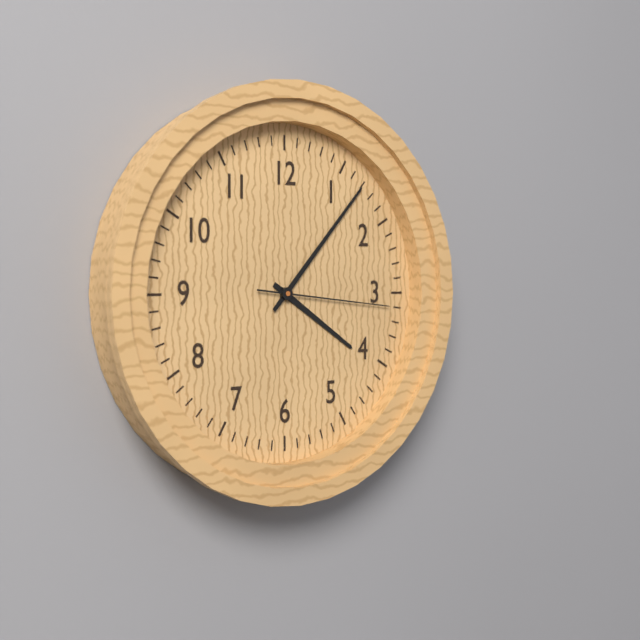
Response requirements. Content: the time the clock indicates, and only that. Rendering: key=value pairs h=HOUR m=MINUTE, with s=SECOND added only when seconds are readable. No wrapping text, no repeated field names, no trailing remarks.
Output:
h=4 m=7 s=16
